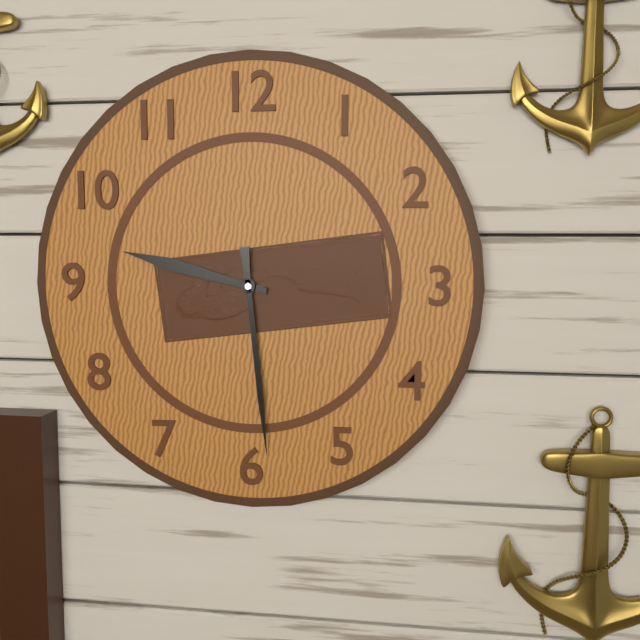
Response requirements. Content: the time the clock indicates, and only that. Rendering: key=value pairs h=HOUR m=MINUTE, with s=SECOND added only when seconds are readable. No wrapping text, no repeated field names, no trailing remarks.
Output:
h=9 m=29
